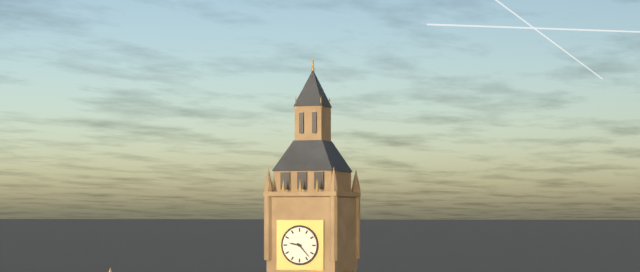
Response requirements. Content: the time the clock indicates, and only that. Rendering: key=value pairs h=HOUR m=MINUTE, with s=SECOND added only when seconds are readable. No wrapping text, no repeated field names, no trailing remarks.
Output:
h=9 m=23
